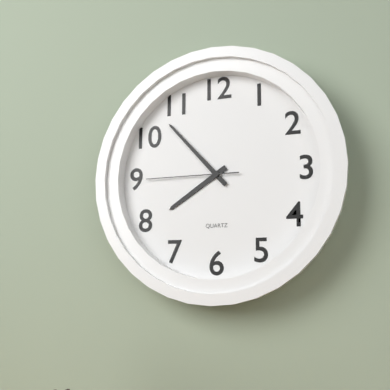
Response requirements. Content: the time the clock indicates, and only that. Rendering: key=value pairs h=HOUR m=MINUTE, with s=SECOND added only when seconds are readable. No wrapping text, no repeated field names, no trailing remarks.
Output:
h=7 m=53 s=45
